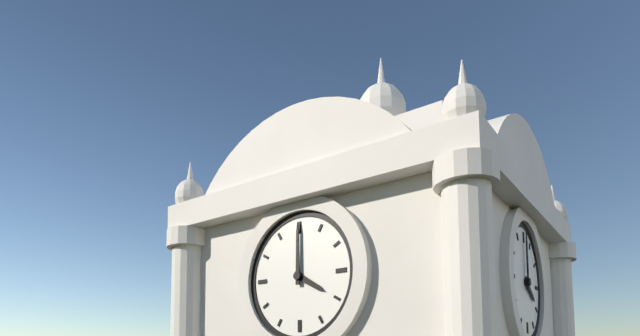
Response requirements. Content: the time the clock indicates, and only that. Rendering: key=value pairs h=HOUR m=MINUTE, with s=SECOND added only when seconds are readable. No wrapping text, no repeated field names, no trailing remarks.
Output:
h=4 m=0
